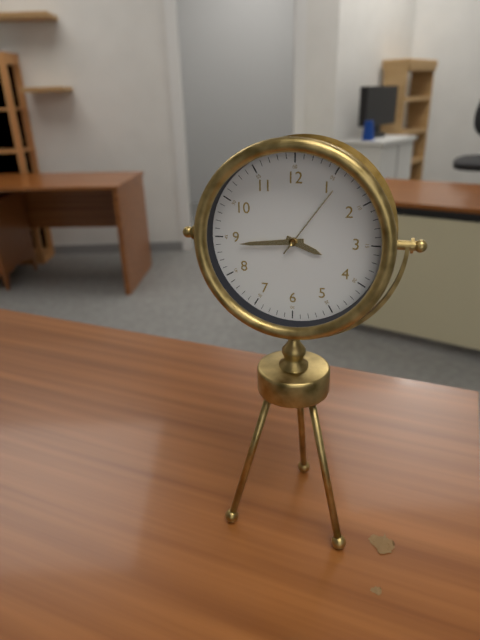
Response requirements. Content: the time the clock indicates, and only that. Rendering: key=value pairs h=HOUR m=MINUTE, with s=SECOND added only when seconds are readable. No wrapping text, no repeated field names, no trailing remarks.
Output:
h=3 m=44 s=6
